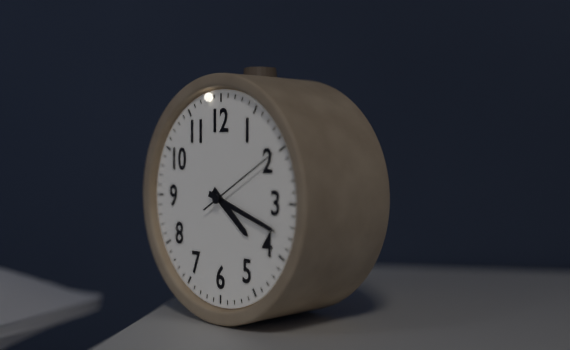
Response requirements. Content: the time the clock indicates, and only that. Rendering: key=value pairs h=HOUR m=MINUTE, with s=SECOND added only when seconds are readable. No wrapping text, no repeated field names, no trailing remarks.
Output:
h=4 m=18 s=10
